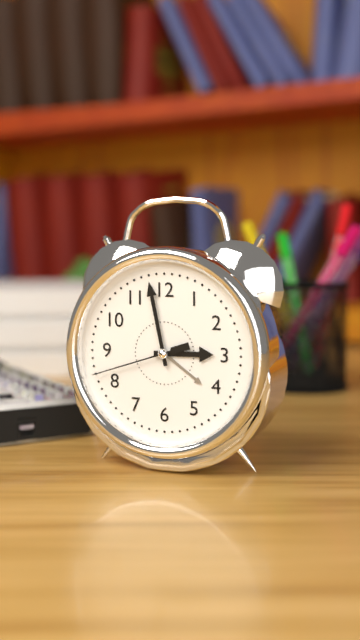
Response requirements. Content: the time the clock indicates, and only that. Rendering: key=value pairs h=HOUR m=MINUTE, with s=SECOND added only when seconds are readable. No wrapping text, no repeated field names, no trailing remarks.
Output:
h=2 m=58 s=42
